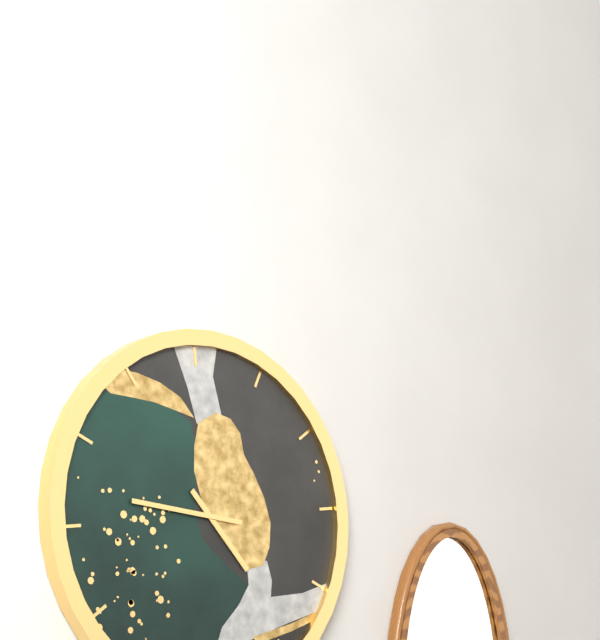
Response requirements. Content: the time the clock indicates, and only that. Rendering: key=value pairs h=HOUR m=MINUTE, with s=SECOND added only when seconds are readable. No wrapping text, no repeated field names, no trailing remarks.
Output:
h=4 m=47
